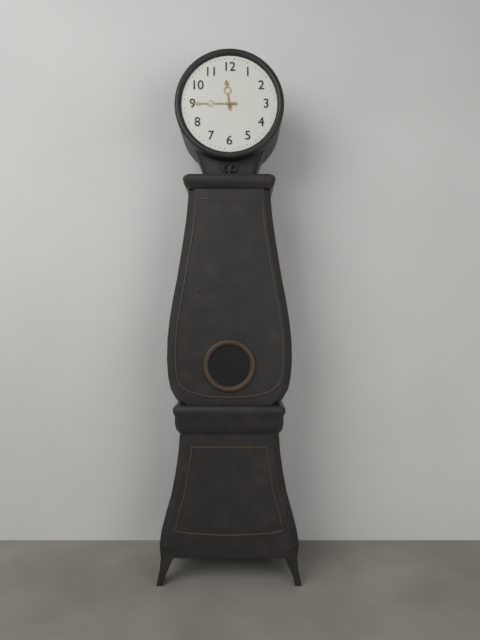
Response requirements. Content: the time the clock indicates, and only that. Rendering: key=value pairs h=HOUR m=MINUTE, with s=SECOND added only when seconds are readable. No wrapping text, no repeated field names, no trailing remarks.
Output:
h=11 m=45
